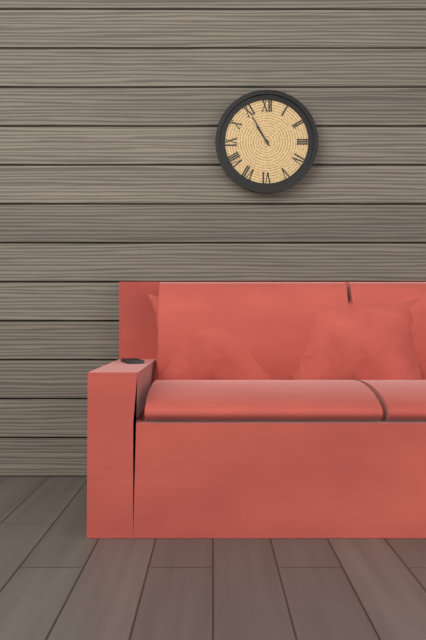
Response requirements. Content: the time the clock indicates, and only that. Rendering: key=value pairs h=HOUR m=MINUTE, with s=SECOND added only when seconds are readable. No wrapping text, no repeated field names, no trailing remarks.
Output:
h=10 m=55
